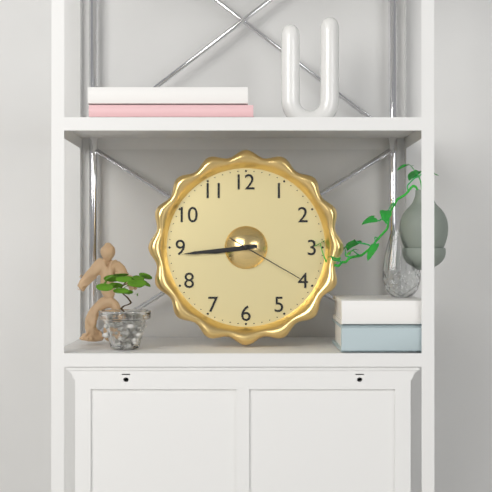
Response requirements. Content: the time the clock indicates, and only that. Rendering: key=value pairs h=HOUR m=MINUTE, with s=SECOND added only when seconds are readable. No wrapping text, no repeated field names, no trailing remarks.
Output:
h=8 m=44 s=20
